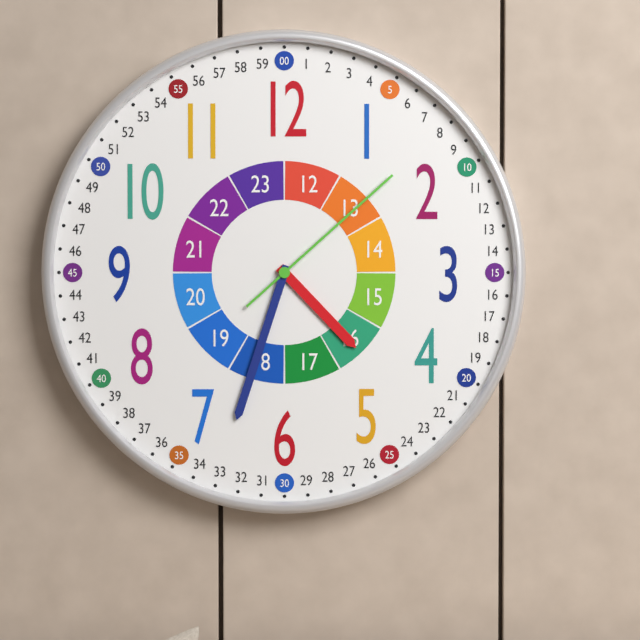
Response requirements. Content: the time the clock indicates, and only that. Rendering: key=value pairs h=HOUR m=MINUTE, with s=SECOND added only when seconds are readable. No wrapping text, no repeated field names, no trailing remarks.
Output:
h=4 m=33 s=8
